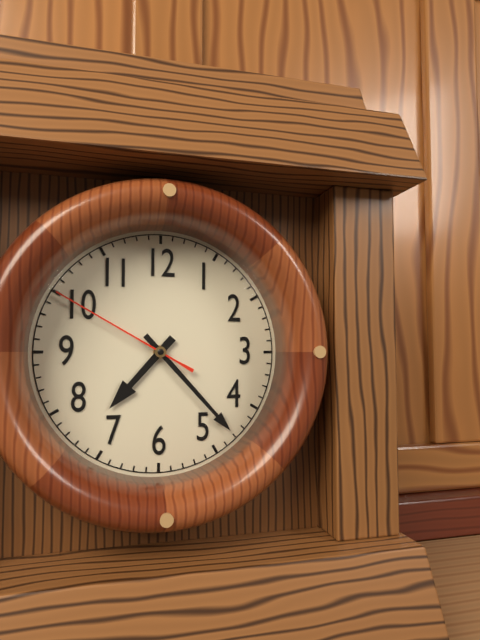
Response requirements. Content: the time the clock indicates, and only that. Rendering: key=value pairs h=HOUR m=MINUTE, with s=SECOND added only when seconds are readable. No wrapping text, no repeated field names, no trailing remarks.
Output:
h=7 m=23 s=50
